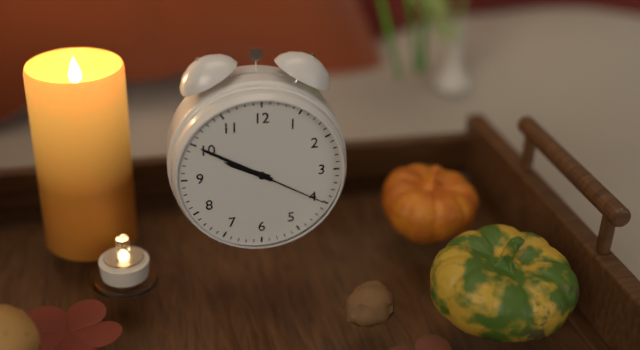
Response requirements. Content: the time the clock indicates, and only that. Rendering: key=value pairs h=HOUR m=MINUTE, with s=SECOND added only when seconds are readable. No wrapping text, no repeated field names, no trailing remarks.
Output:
h=9 m=50 s=20
